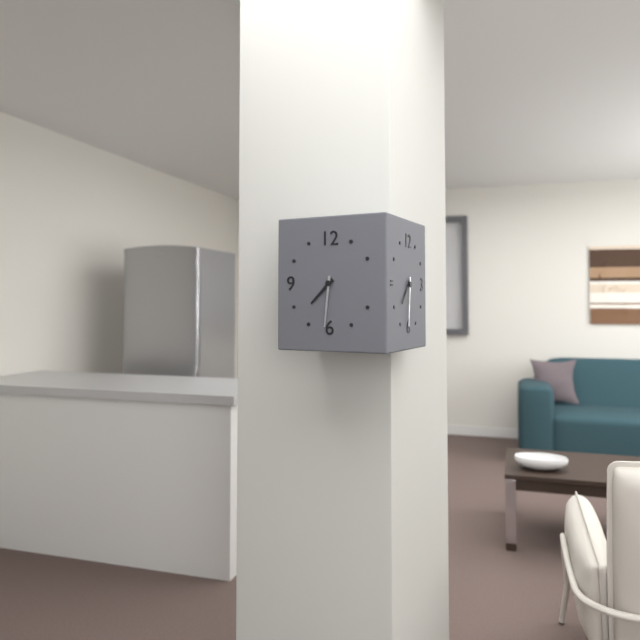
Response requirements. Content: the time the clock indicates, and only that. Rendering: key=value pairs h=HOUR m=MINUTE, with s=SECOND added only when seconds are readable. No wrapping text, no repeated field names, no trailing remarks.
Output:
h=7 m=31
